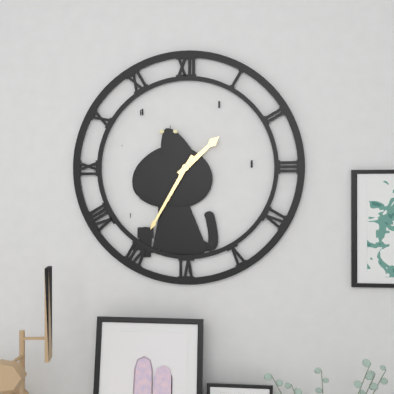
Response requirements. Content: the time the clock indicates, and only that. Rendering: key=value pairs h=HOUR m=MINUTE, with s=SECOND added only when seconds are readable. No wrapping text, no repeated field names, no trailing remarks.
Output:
h=1 m=35
